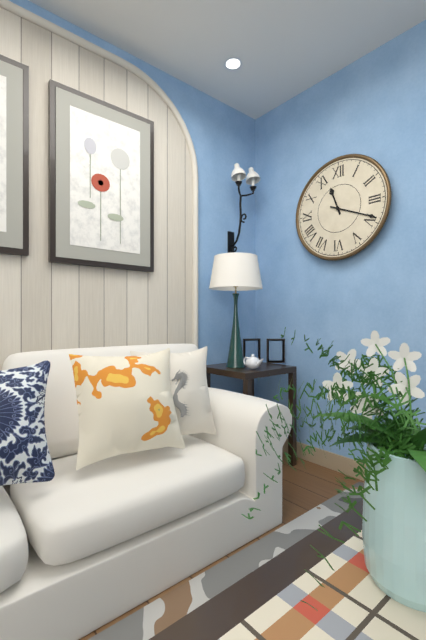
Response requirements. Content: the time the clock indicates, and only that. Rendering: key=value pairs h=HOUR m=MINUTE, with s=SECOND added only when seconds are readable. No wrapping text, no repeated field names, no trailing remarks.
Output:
h=11 m=19
